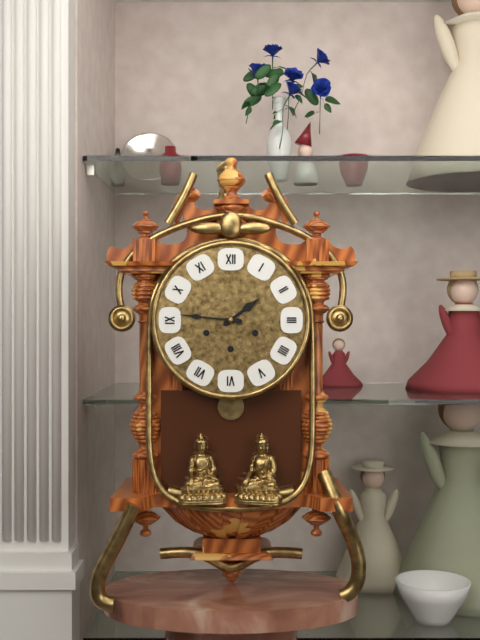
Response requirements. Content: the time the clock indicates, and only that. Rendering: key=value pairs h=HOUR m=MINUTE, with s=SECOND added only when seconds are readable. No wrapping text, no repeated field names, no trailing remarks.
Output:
h=1 m=46
